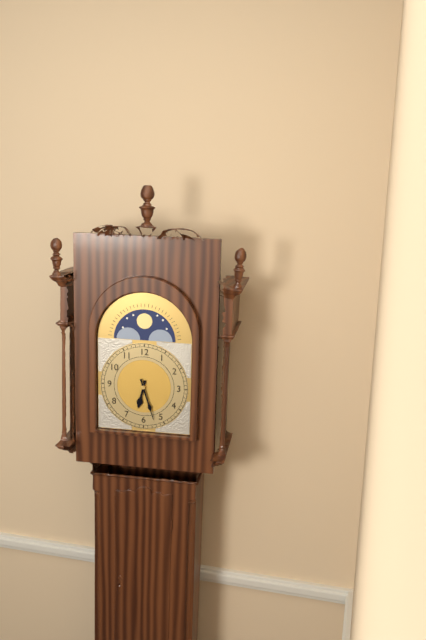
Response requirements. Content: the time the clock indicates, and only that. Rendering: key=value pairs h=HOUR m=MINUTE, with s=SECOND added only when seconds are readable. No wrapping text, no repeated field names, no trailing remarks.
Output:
h=6 m=27
